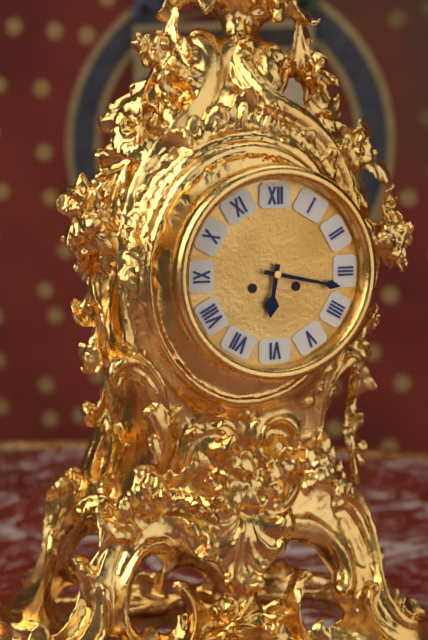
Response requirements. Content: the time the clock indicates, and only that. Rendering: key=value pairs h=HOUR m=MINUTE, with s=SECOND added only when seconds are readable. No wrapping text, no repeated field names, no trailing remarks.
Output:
h=6 m=17
